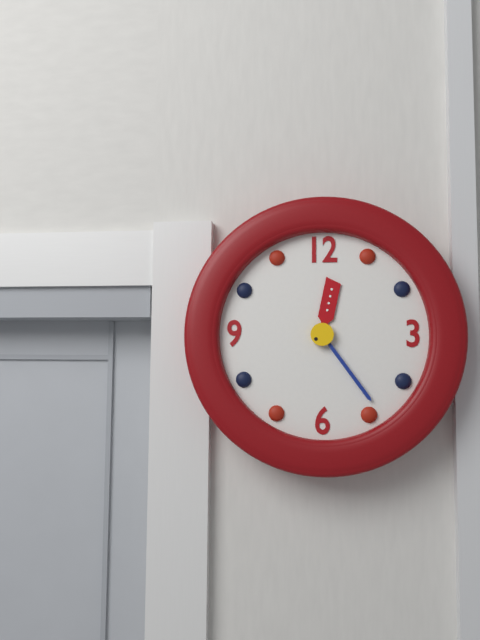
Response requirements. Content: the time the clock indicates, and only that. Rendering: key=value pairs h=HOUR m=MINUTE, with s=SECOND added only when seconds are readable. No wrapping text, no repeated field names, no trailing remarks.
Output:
h=12 m=24
